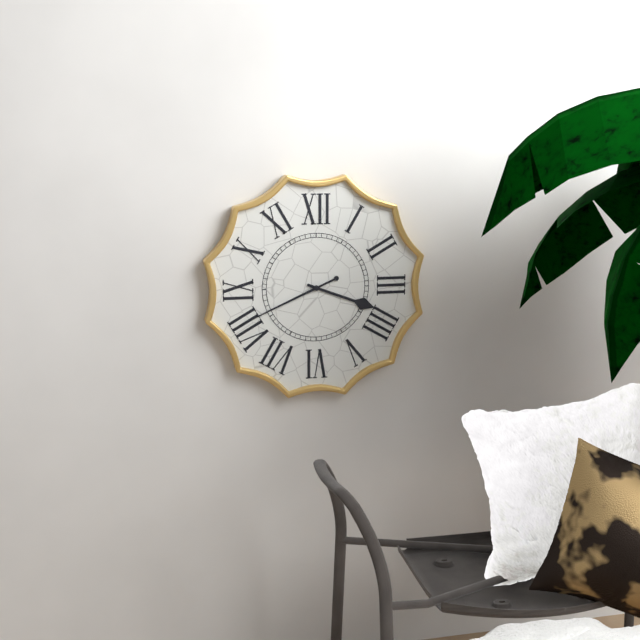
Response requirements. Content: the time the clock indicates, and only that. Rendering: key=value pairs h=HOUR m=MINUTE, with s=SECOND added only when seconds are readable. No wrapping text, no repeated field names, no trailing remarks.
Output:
h=3 m=41
